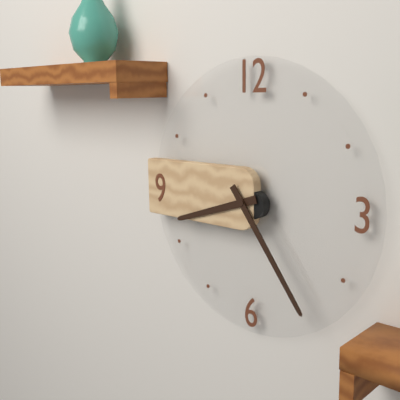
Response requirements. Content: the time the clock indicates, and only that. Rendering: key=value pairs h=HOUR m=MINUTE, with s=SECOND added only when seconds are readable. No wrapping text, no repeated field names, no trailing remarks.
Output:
h=8 m=24
